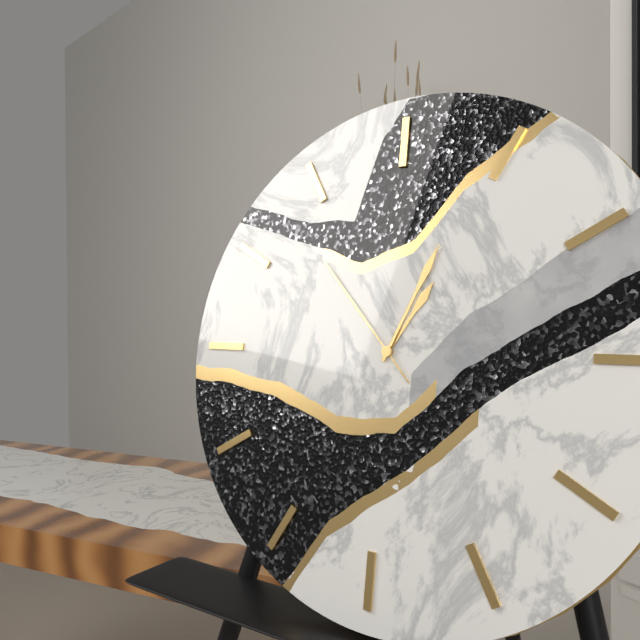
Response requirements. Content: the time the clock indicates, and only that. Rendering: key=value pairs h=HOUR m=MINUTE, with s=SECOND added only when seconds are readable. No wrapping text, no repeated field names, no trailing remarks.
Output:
h=1 m=4 s=53
